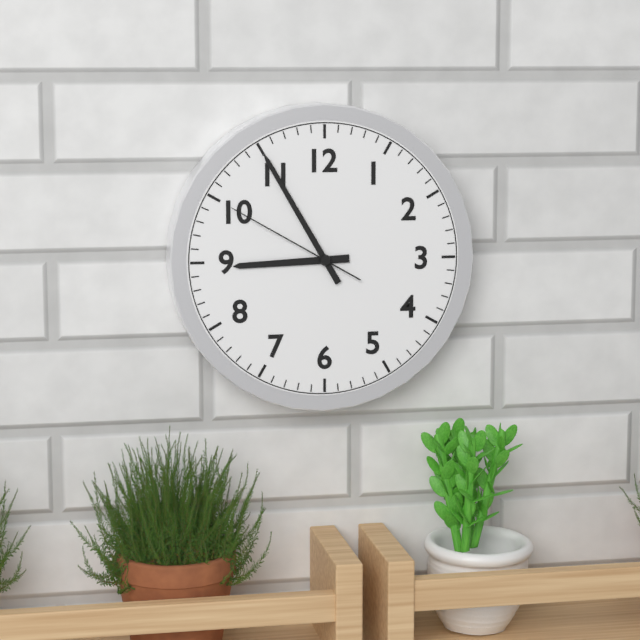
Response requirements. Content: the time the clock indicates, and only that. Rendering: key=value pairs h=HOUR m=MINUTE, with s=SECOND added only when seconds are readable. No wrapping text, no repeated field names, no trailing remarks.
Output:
h=8 m=55 s=50
